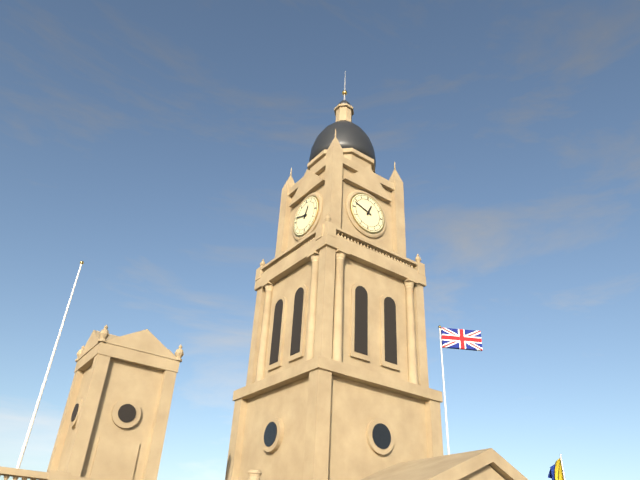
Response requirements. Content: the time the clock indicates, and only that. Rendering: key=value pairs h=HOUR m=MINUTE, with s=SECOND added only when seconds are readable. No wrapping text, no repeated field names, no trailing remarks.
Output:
h=12 m=48
